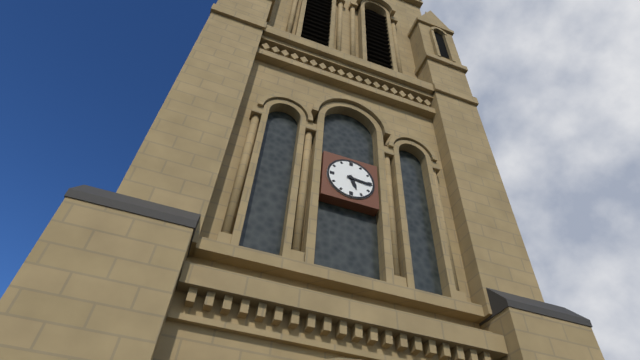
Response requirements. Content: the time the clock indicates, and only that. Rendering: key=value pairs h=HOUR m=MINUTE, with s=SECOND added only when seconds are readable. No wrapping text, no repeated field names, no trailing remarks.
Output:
h=5 m=16
